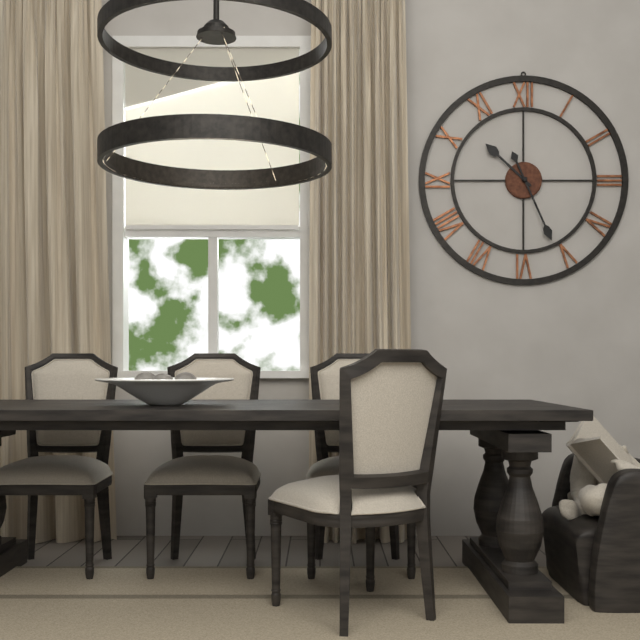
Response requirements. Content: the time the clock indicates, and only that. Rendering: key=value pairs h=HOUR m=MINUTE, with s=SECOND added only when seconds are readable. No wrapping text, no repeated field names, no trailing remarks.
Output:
h=10 m=26
